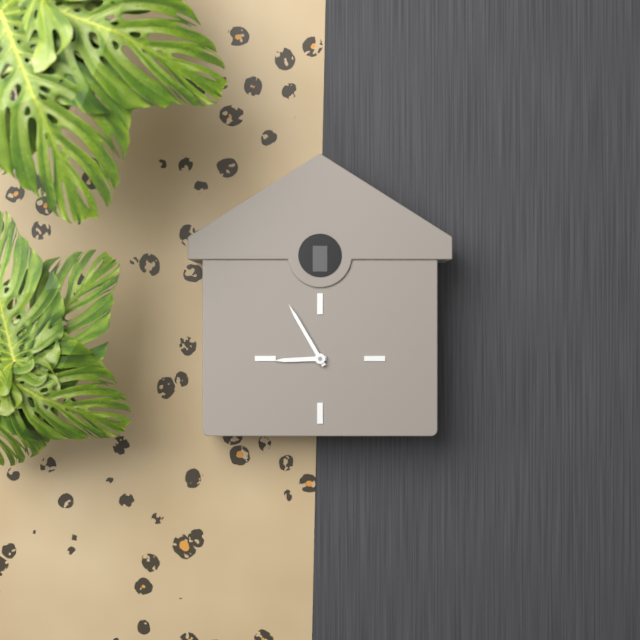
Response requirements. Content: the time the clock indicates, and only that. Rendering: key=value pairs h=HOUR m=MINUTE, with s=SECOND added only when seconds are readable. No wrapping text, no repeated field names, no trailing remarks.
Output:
h=8 m=55
